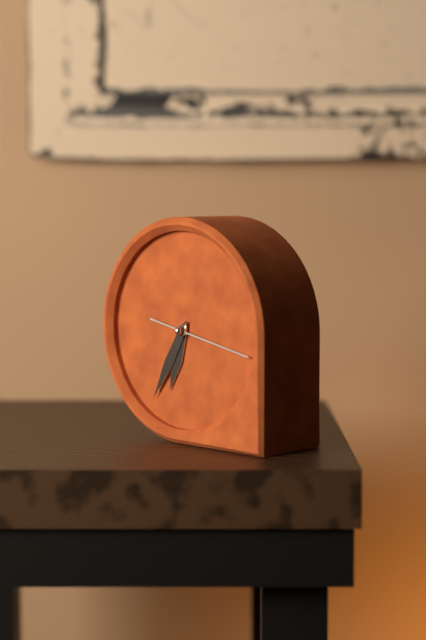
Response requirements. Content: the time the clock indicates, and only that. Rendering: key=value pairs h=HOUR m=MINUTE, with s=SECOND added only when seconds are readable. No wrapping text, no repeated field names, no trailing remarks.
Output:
h=6 m=35 s=17
